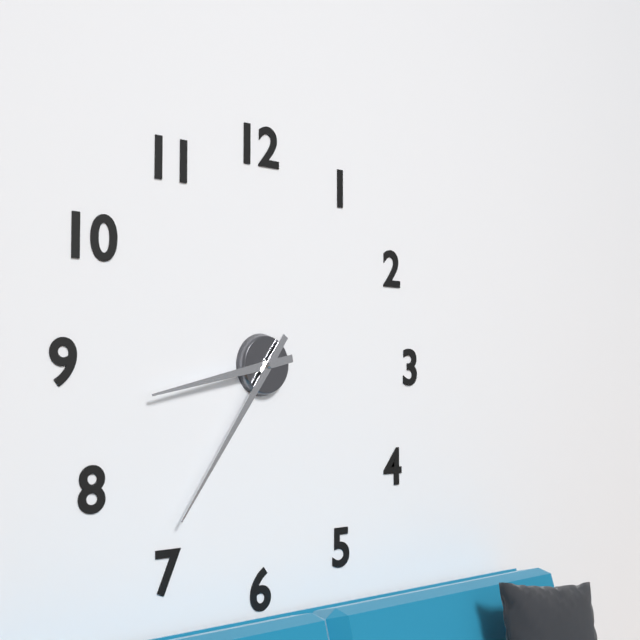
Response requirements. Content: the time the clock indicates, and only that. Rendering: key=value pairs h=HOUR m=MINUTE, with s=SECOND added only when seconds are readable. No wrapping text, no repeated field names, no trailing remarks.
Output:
h=8 m=36
